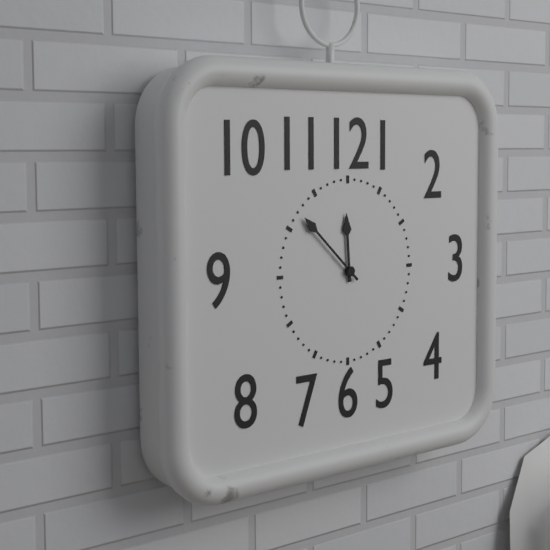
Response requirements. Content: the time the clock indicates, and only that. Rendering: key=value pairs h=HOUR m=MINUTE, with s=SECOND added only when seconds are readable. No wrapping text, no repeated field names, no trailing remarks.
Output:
h=11 m=52
